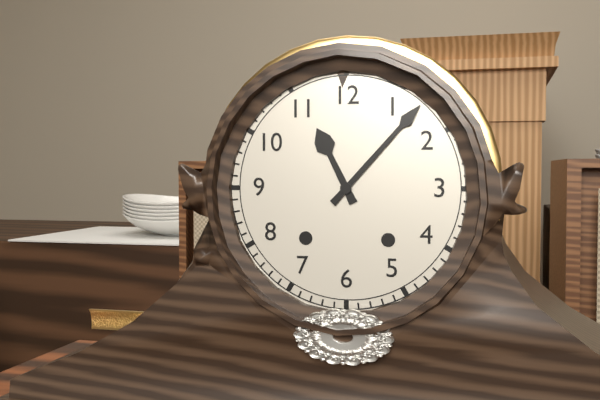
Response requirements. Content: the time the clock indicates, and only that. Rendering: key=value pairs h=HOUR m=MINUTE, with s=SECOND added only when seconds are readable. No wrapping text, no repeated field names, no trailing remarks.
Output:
h=11 m=7
